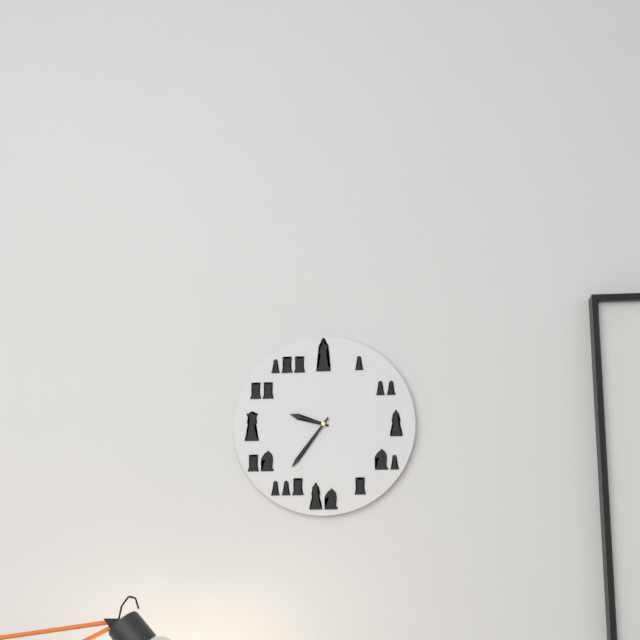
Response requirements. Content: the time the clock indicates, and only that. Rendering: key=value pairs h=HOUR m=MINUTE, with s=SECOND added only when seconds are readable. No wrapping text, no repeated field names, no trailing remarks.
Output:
h=9 m=36
